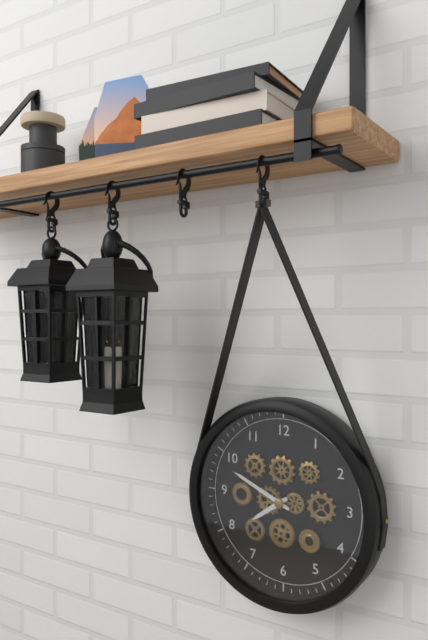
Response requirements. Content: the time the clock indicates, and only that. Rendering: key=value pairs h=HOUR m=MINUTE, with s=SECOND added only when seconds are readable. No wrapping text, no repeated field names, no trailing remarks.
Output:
h=7 m=49
